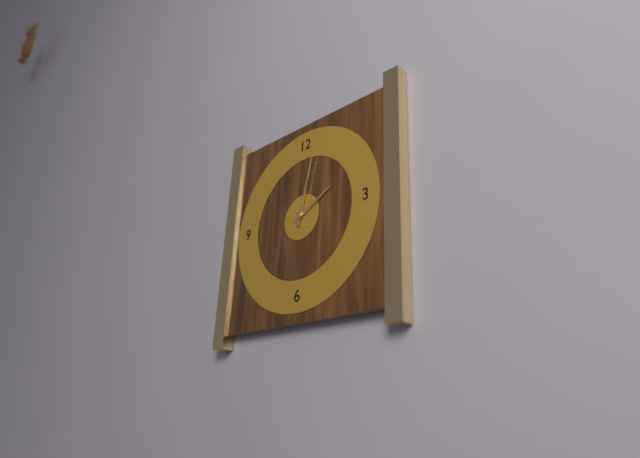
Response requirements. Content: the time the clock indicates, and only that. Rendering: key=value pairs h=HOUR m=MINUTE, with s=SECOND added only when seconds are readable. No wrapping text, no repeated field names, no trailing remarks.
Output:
h=2 m=2
